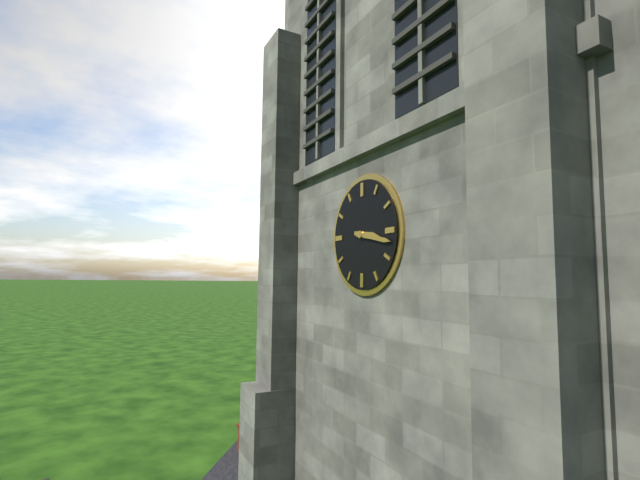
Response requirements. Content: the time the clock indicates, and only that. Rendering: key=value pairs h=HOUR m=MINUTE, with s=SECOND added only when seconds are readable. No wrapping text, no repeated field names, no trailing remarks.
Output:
h=3 m=17
